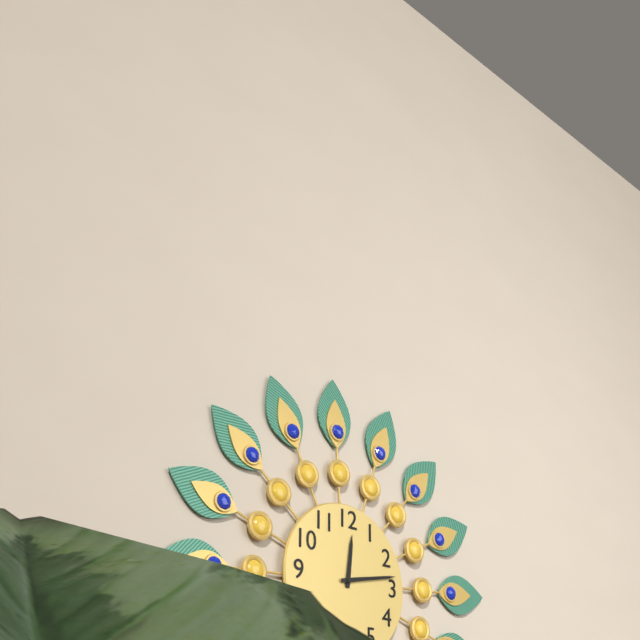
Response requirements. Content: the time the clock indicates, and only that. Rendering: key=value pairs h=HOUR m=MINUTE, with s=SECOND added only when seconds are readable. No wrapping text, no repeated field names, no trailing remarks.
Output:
h=12 m=13
